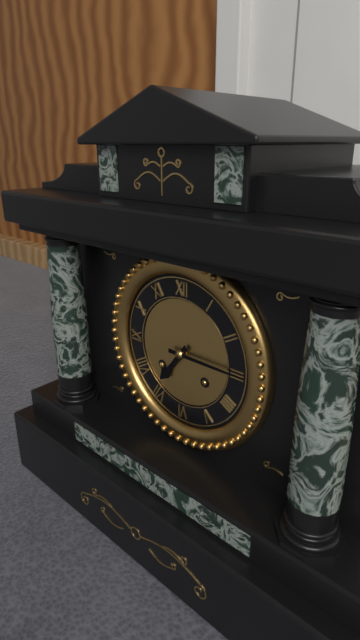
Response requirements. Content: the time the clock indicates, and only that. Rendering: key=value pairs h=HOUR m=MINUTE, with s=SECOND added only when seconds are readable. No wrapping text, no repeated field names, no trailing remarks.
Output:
h=7 m=15
